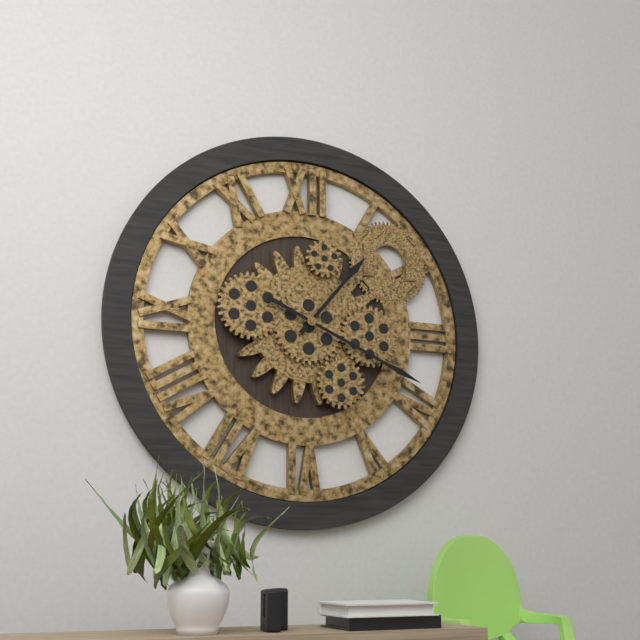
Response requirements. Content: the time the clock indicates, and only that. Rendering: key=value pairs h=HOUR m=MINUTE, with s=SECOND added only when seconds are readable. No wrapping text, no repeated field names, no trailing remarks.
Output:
h=1 m=19
